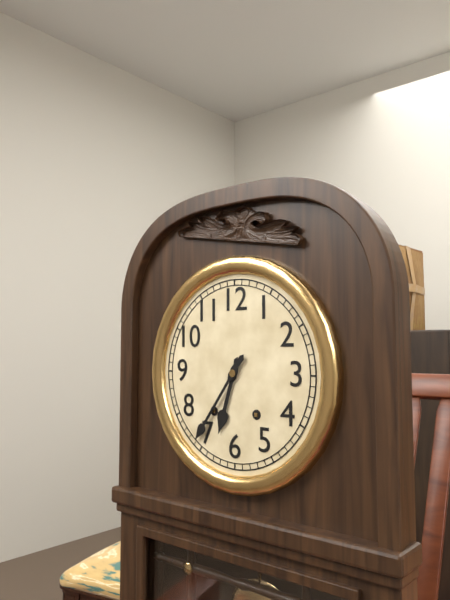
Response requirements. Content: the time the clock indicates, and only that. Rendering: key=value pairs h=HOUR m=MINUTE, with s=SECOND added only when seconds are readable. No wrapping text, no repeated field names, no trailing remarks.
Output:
h=6 m=36
